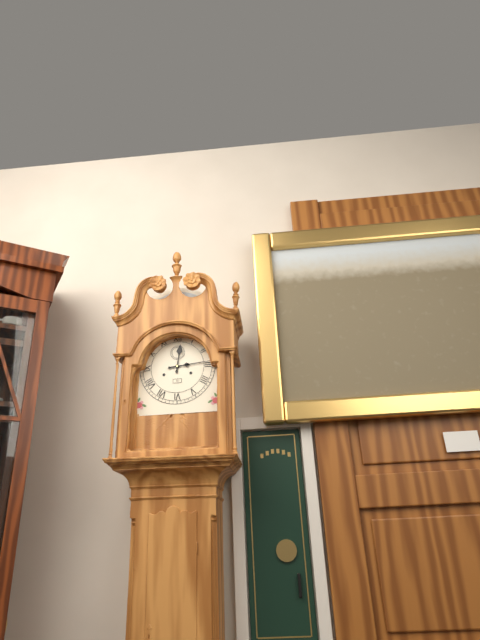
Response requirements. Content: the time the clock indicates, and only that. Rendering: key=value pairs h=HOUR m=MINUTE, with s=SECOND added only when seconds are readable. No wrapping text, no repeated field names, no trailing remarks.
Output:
h=12 m=14
